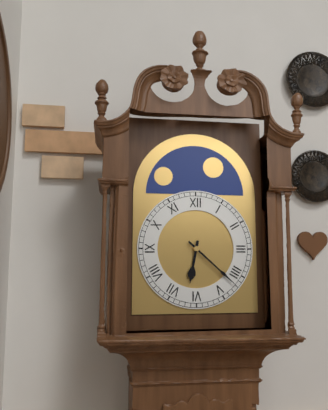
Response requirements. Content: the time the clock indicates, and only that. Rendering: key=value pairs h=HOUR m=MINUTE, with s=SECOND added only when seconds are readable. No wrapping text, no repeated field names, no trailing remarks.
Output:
h=6 m=22
